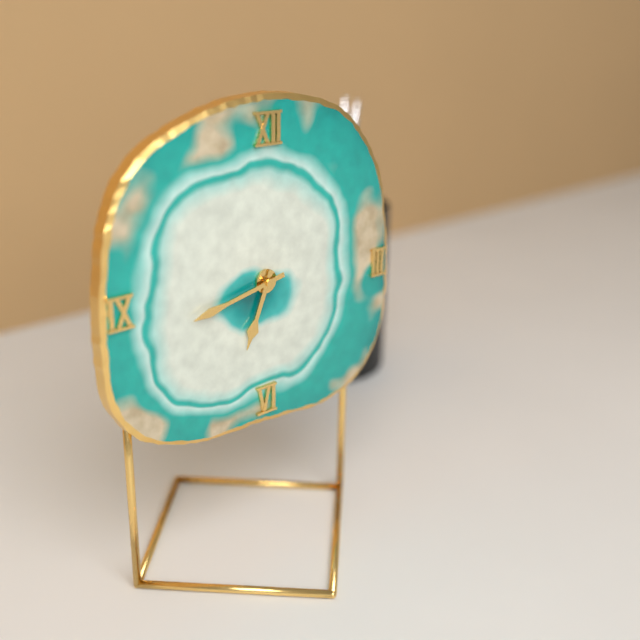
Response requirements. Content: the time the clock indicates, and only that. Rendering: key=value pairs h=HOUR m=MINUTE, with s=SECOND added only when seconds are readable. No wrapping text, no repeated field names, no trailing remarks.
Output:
h=6 m=43
